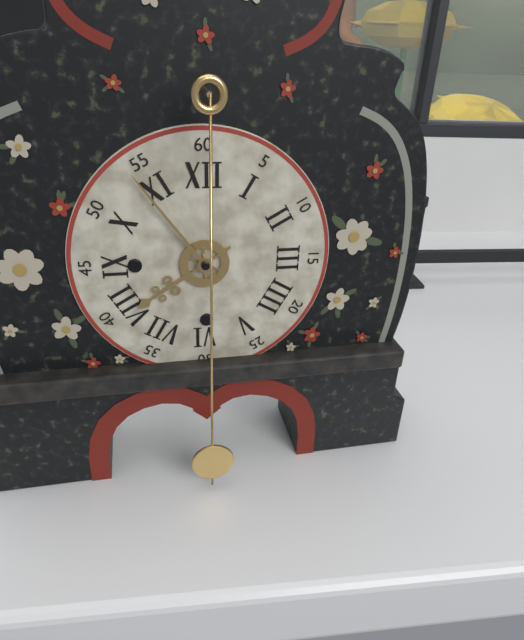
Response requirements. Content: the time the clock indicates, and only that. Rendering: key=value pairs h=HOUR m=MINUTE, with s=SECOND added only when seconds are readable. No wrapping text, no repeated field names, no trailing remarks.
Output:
h=7 m=54
